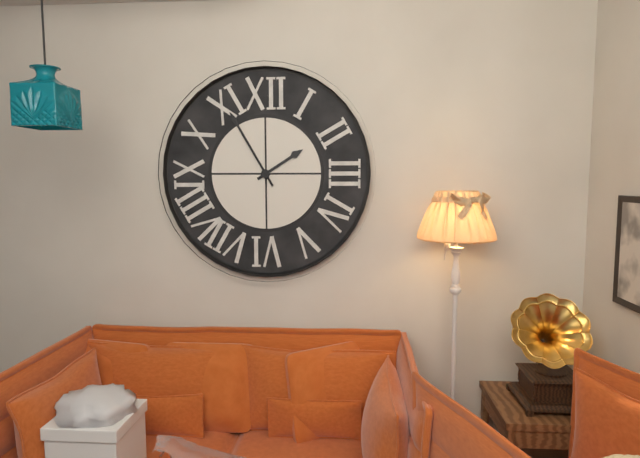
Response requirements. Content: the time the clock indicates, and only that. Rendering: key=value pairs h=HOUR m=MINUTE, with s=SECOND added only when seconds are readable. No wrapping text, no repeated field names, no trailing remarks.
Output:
h=1 m=55
